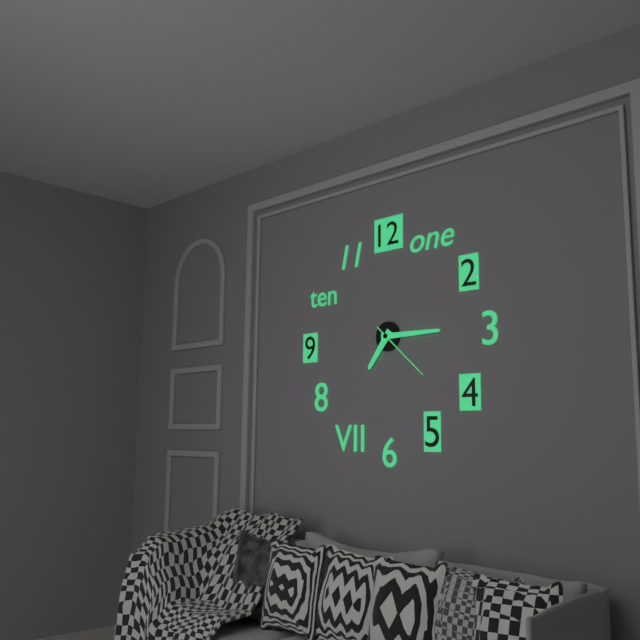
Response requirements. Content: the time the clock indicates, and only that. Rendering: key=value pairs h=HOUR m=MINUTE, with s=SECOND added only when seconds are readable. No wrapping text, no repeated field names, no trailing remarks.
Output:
h=7 m=15 s=22
